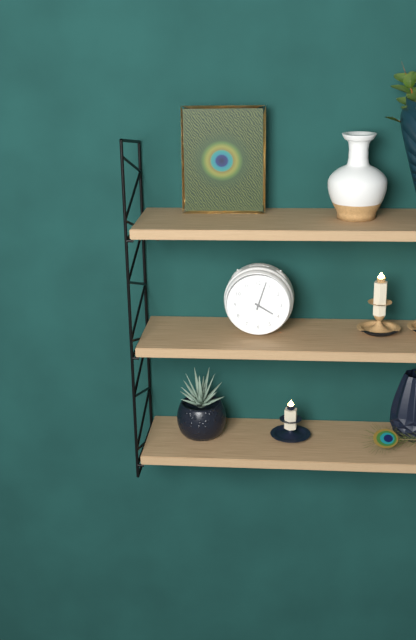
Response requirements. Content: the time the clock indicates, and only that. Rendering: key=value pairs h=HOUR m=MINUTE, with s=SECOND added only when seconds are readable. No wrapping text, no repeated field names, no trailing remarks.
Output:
h=4 m=3
